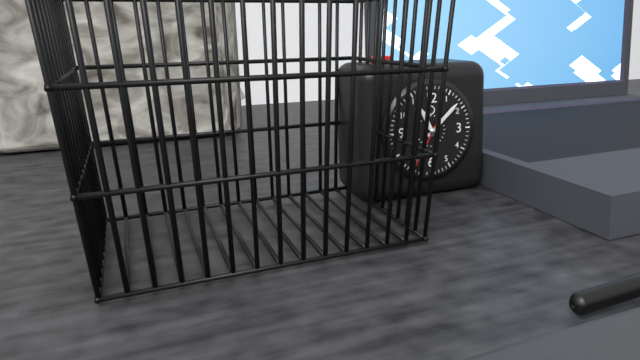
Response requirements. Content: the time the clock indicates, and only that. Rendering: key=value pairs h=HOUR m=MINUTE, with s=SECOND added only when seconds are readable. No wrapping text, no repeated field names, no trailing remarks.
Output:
h=11 m=8
